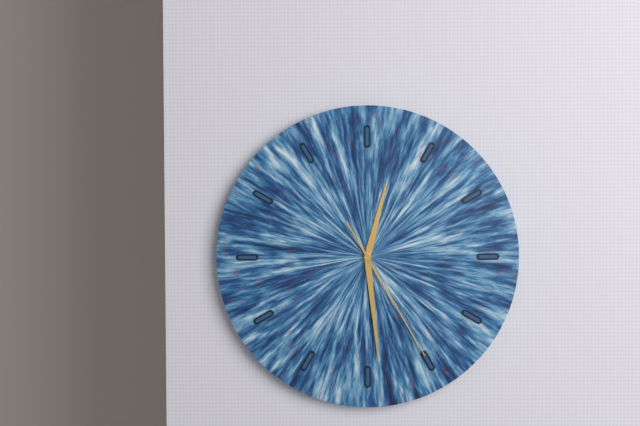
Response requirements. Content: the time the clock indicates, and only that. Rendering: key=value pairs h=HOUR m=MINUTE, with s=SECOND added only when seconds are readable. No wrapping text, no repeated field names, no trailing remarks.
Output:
h=12 m=29 s=25
